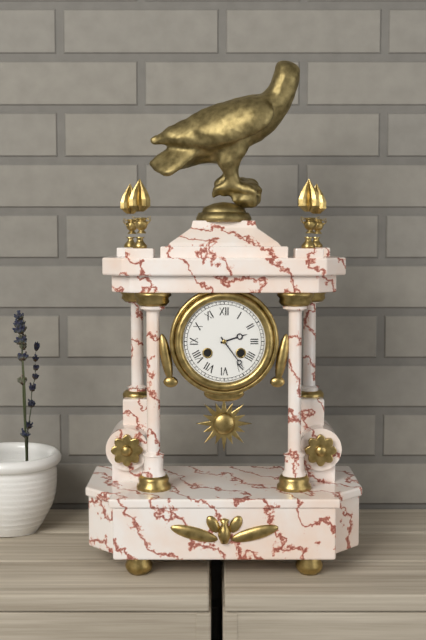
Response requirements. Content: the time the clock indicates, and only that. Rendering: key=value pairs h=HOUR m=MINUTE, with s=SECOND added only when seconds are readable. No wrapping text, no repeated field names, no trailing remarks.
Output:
h=2 m=24
